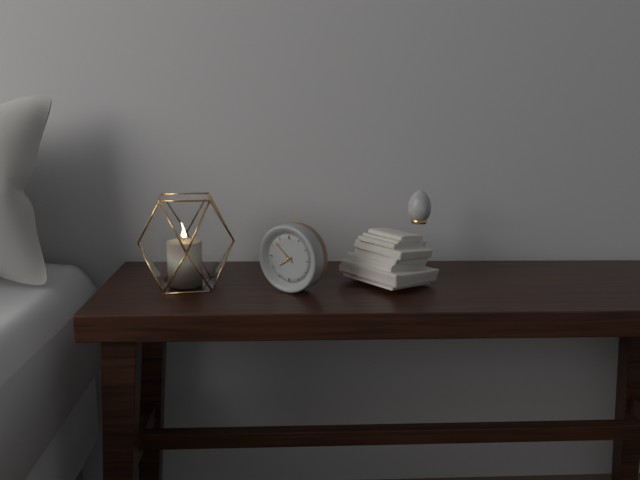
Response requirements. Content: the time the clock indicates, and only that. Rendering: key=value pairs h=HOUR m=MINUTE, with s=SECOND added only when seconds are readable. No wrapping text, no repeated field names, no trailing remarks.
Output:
h=7 m=52
